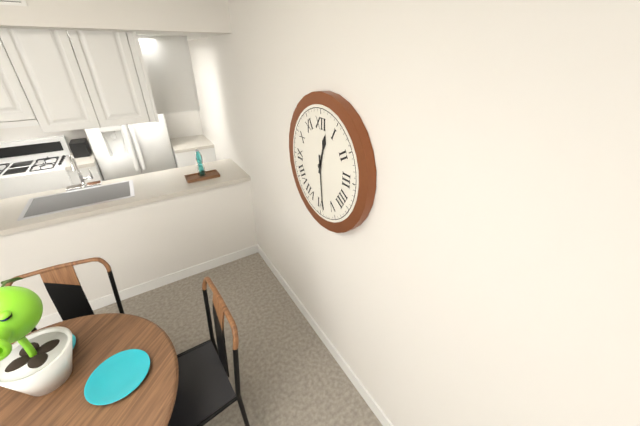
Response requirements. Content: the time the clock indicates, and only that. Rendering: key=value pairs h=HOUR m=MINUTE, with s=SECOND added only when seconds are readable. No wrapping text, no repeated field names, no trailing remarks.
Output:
h=12 m=29
